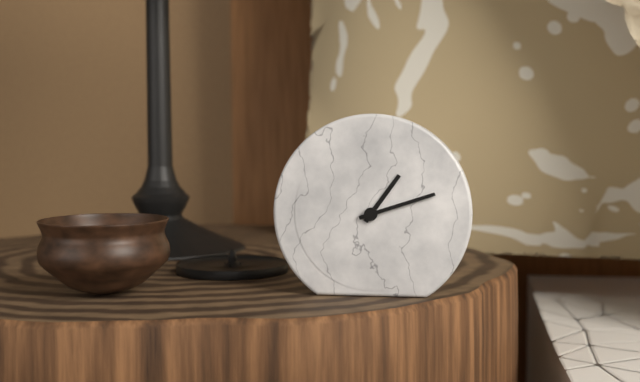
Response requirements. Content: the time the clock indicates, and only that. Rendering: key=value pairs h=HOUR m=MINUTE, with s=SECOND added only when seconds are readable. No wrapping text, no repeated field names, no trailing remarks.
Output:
h=1 m=12
